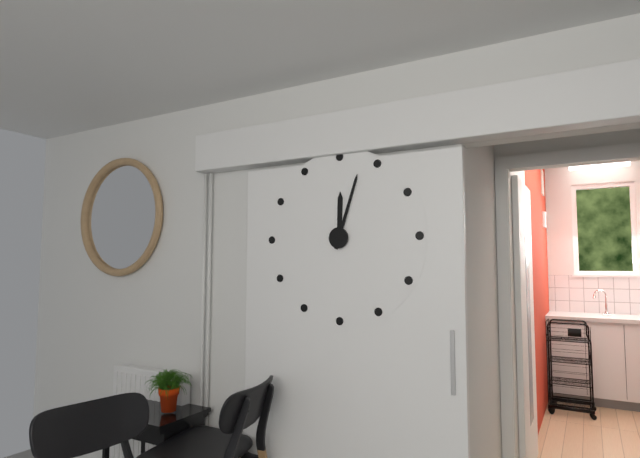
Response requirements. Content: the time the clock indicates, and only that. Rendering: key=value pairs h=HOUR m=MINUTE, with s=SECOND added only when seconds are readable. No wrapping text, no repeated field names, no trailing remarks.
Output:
h=12 m=3
